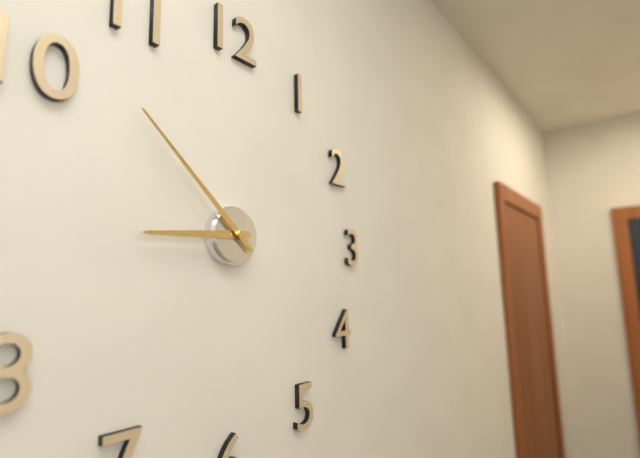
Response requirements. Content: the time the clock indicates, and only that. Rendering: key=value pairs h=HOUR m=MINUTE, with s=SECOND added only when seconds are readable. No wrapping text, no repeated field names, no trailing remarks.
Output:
h=8 m=52
